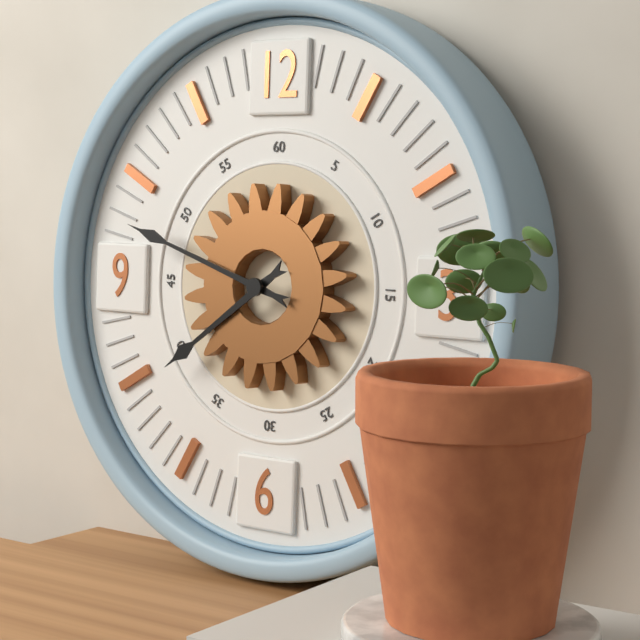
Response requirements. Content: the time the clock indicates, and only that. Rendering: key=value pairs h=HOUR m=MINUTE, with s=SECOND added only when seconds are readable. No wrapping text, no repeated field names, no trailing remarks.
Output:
h=7 m=48
